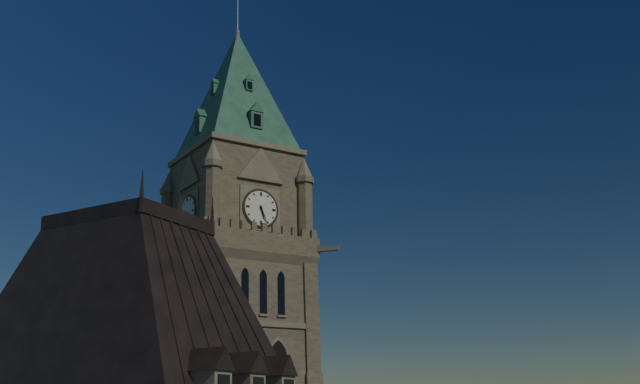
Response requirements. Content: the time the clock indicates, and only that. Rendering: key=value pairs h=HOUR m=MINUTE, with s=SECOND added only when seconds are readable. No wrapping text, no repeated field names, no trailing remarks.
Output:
h=5 m=26
